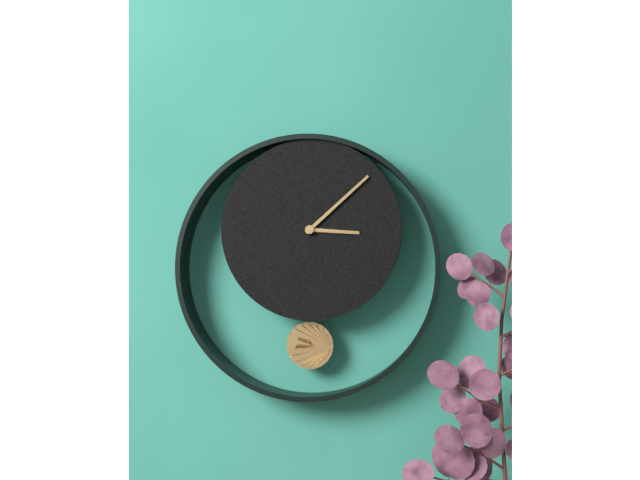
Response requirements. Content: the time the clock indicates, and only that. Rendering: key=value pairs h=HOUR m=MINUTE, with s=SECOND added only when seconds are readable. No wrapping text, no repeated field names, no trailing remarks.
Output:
h=3 m=8
